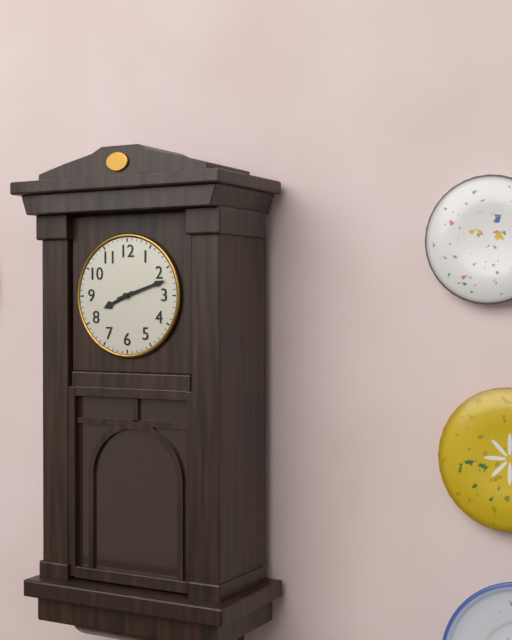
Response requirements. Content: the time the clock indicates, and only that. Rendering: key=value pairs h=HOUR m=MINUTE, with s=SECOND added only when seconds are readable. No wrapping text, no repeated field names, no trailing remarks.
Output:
h=8 m=12
